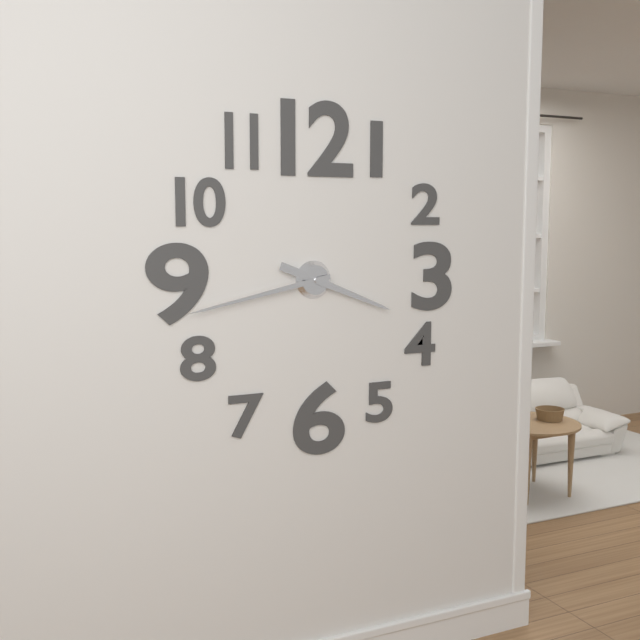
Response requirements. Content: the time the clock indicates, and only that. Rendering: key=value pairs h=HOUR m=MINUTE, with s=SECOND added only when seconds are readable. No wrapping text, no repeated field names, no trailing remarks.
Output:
h=3 m=43
